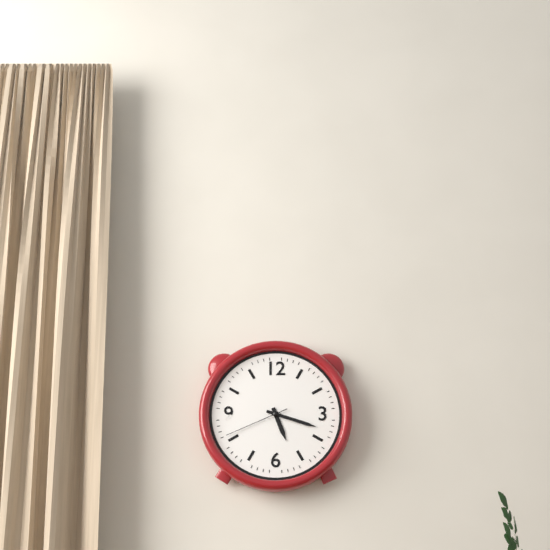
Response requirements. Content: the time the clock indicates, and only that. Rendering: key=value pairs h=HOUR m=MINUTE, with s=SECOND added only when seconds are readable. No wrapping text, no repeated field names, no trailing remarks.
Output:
h=5 m=18 s=41
